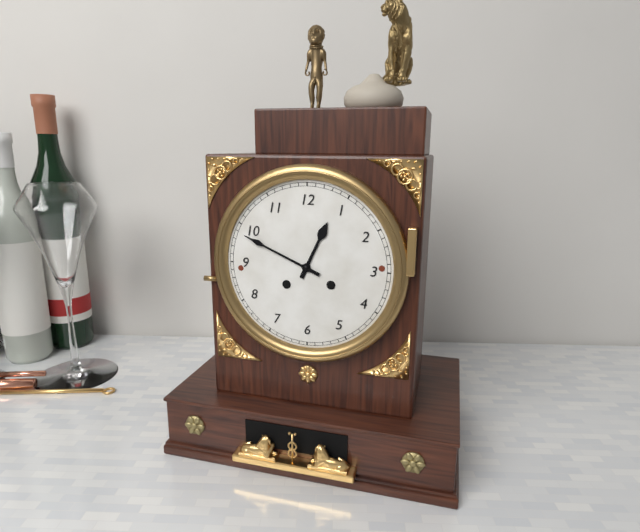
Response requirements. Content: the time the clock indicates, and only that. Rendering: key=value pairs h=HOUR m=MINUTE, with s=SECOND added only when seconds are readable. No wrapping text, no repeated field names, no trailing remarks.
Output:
h=12 m=49
